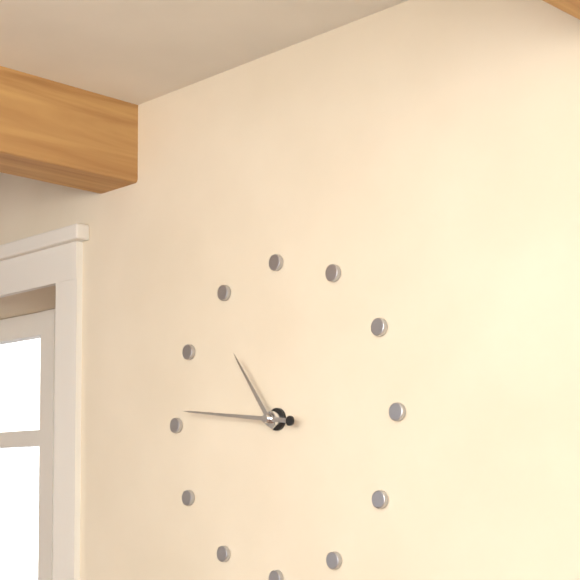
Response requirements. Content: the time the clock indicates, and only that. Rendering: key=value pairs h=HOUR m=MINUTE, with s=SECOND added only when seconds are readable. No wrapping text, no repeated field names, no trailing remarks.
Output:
h=10 m=46
